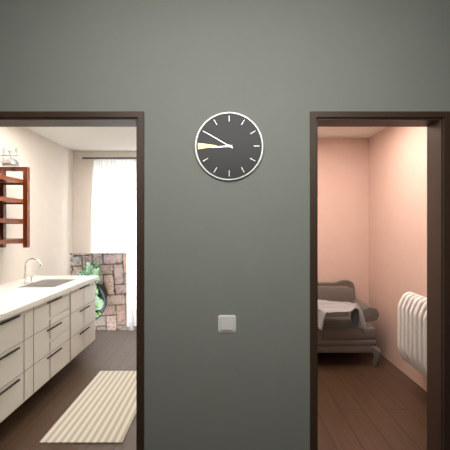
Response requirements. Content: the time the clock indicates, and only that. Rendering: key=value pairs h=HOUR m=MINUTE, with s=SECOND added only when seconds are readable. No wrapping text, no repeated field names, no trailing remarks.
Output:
h=8 m=50
